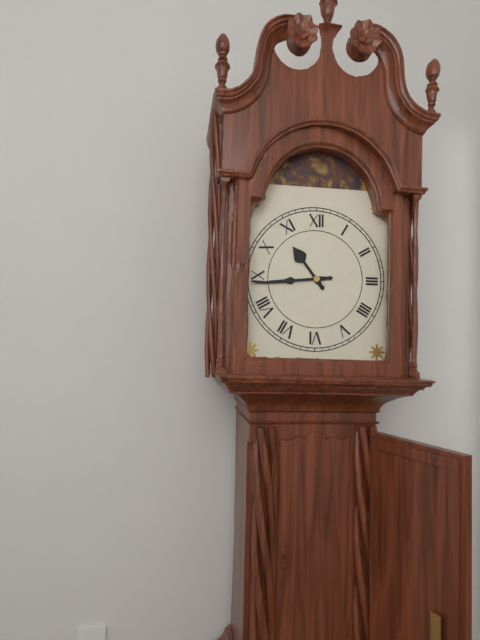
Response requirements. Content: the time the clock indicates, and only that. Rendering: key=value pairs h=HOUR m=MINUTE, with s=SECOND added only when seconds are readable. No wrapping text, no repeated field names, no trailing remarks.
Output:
h=10 m=44
